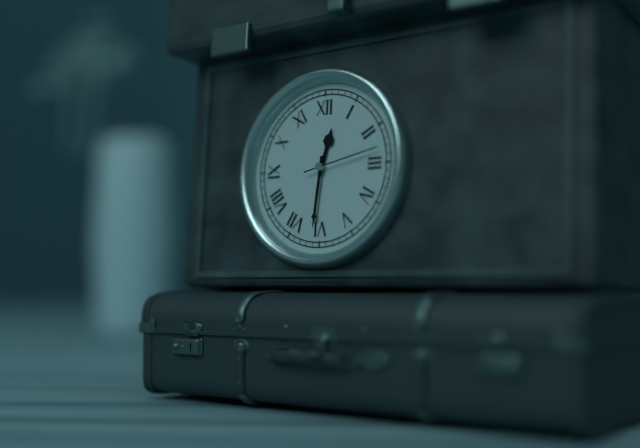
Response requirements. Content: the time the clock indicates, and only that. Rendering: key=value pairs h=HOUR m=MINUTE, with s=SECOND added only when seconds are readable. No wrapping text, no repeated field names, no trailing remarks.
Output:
h=12 m=31 s=13
